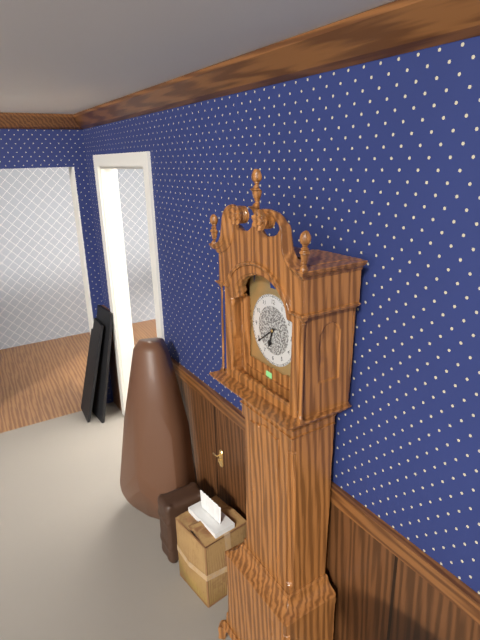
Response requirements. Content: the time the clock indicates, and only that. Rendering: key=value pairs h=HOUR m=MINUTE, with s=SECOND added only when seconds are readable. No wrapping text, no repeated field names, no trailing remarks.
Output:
h=6 m=39
